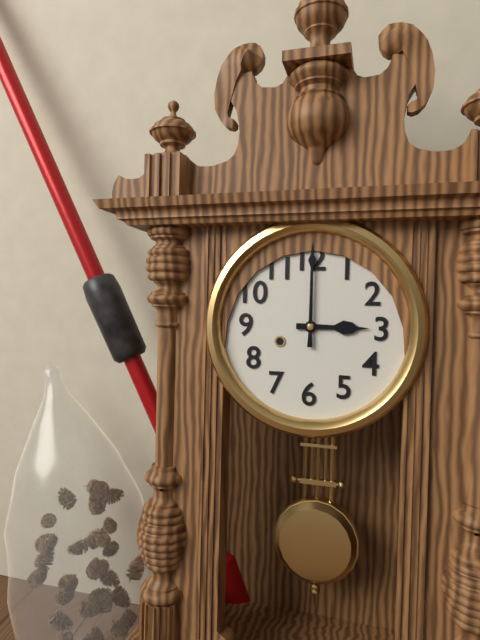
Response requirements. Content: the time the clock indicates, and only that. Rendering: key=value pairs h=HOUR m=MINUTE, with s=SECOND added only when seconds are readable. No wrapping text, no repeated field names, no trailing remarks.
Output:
h=3 m=0
